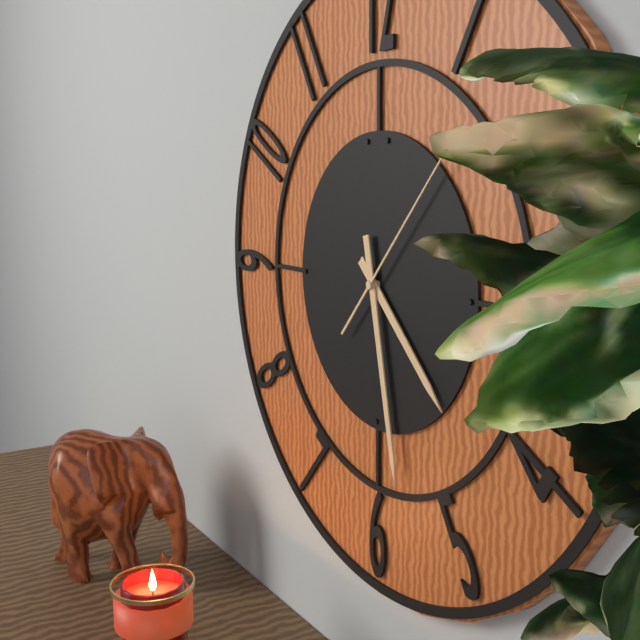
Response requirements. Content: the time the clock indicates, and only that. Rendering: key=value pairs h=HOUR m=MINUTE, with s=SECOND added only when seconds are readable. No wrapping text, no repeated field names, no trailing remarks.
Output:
h=4 m=28 s=7
